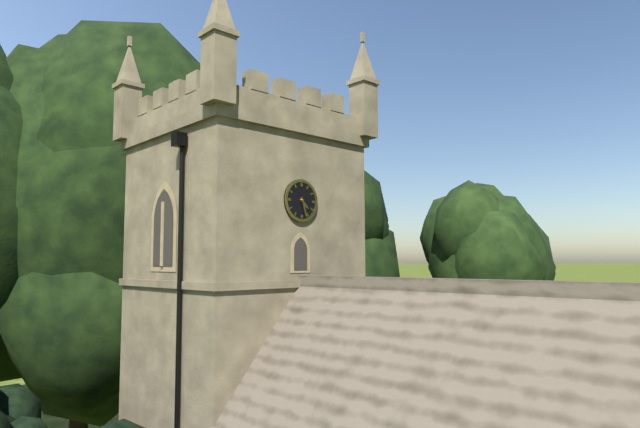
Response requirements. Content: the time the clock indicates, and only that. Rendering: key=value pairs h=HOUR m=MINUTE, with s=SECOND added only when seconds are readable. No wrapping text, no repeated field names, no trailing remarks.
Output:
h=4 m=27
